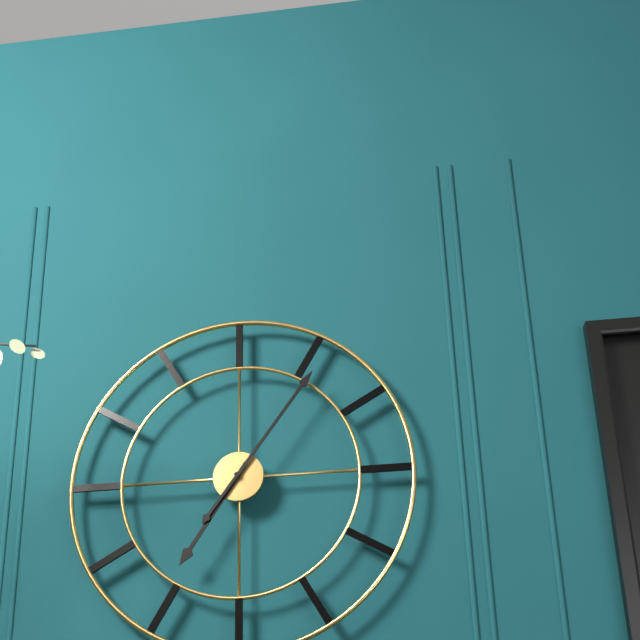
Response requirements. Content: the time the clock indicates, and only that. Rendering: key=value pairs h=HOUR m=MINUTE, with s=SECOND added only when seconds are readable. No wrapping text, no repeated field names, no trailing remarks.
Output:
h=7 m=6
